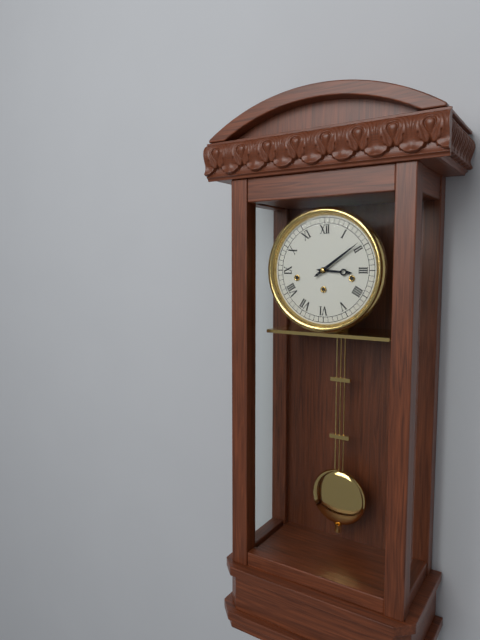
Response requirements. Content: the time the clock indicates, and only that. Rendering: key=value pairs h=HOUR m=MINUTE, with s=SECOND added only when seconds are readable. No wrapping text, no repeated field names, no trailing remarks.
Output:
h=3 m=9
